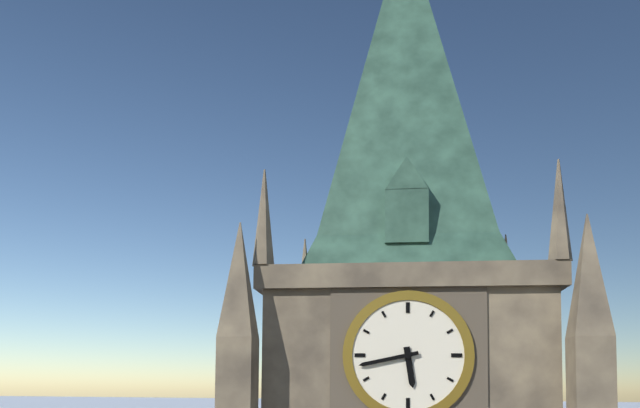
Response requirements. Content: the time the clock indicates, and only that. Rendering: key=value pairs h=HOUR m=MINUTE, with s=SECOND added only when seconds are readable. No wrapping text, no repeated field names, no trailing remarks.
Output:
h=5 m=43
